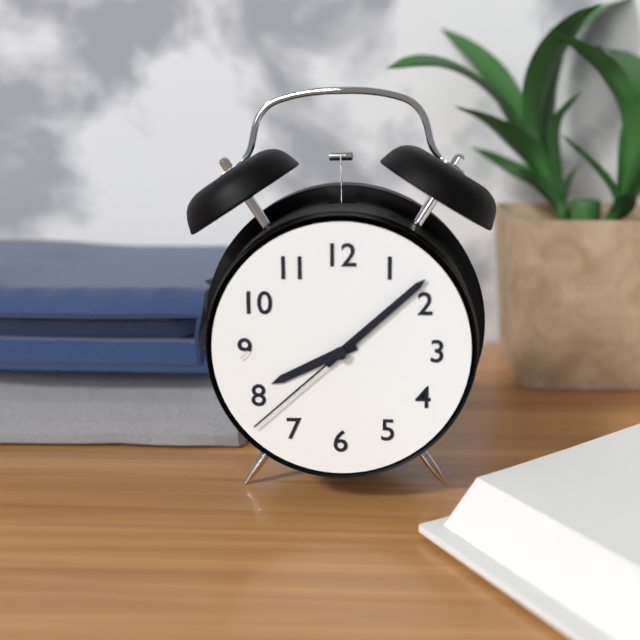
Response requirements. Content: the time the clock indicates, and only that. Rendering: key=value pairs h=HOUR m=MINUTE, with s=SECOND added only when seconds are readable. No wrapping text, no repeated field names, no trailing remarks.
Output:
h=8 m=8 s=38
